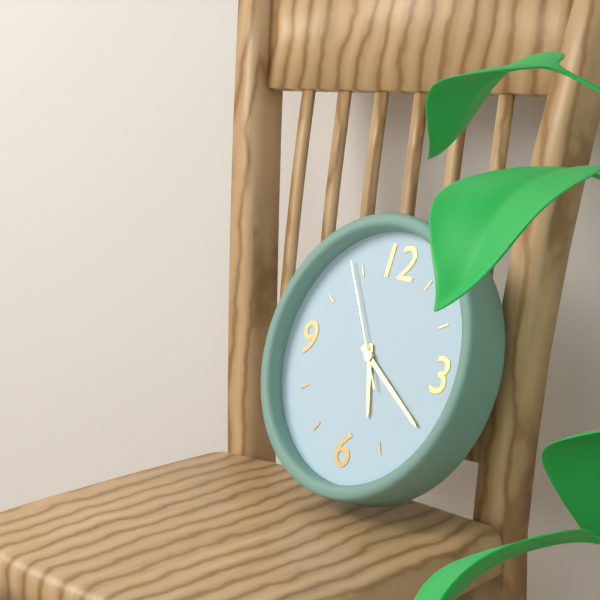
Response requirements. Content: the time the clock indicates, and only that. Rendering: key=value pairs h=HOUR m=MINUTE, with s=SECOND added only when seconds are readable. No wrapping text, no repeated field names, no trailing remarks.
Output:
h=5 m=20 s=54
